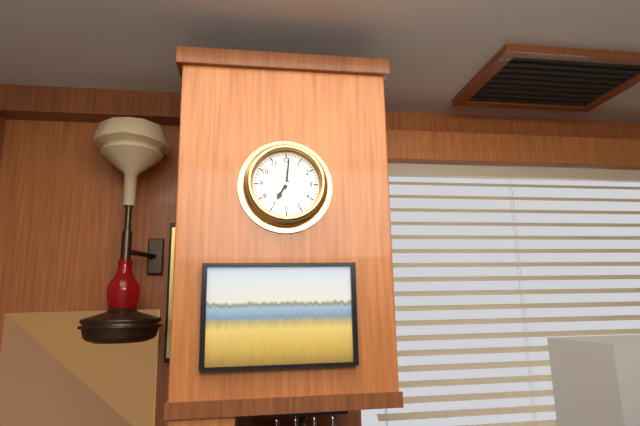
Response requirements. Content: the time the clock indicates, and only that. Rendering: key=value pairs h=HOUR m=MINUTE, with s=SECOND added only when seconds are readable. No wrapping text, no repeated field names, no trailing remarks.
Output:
h=7 m=1
